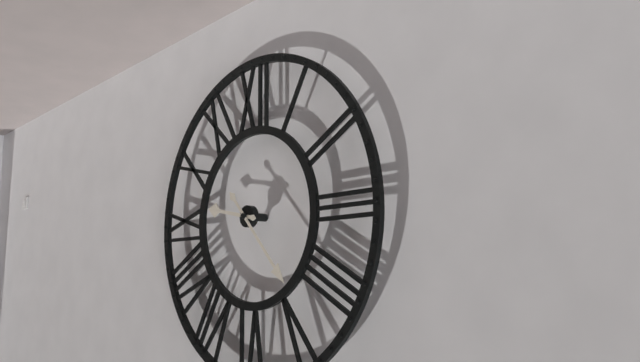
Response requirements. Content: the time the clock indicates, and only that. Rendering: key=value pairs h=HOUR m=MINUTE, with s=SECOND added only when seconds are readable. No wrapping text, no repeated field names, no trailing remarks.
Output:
h=9 m=23
